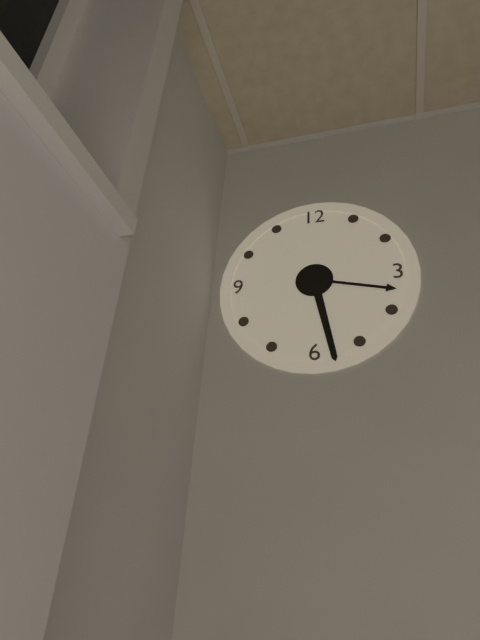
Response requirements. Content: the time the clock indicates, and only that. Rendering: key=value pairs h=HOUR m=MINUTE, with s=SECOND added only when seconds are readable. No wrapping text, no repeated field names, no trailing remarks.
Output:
h=3 m=28
